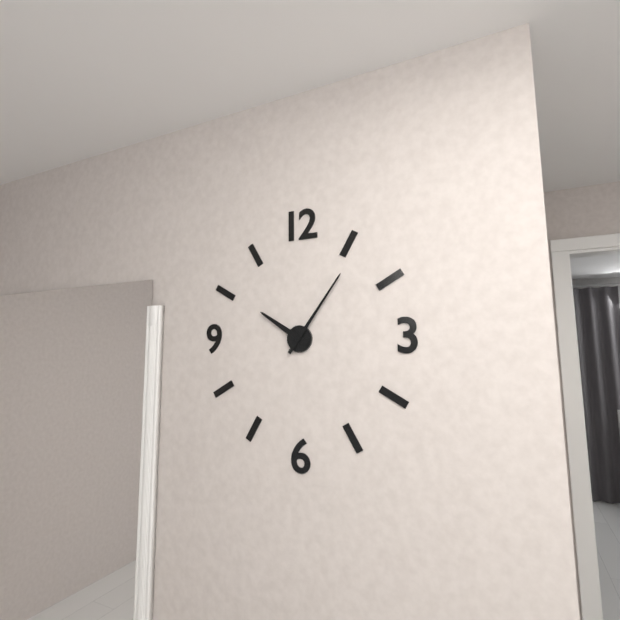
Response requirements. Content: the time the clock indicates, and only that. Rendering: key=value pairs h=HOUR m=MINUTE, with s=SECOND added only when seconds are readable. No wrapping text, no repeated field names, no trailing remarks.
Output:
h=10 m=6
